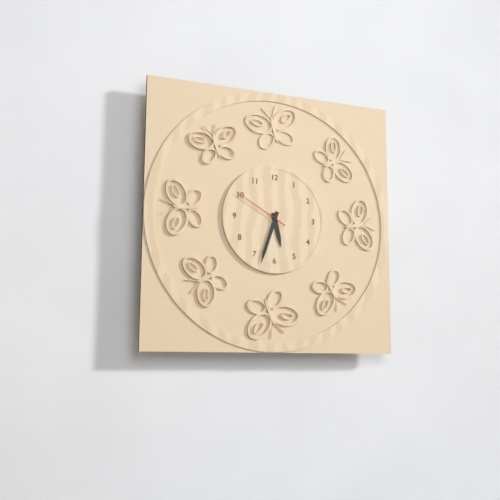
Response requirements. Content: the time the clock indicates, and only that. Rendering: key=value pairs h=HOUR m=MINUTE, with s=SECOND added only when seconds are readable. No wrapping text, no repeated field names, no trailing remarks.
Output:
h=5 m=33 s=50
